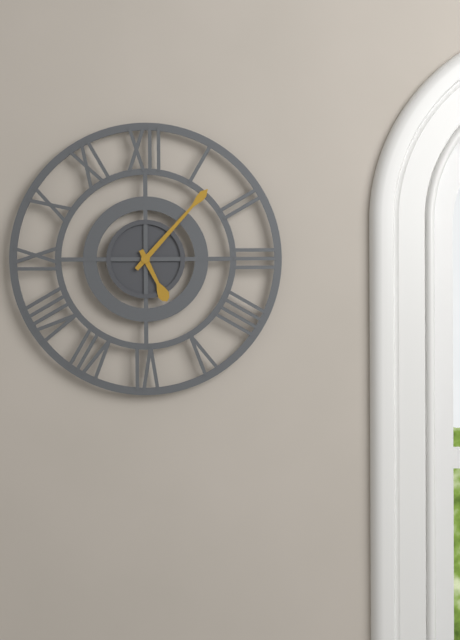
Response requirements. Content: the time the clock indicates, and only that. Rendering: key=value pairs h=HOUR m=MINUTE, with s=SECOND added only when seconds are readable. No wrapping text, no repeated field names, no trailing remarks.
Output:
h=5 m=7
